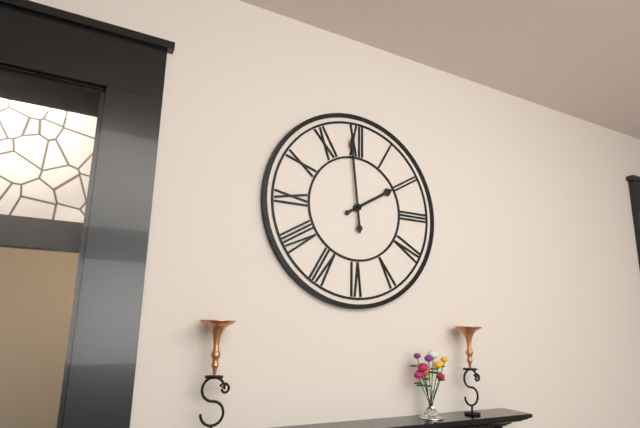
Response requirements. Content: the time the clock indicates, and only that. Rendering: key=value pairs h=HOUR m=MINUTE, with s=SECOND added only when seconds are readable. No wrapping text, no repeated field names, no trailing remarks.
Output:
h=1 m=59
